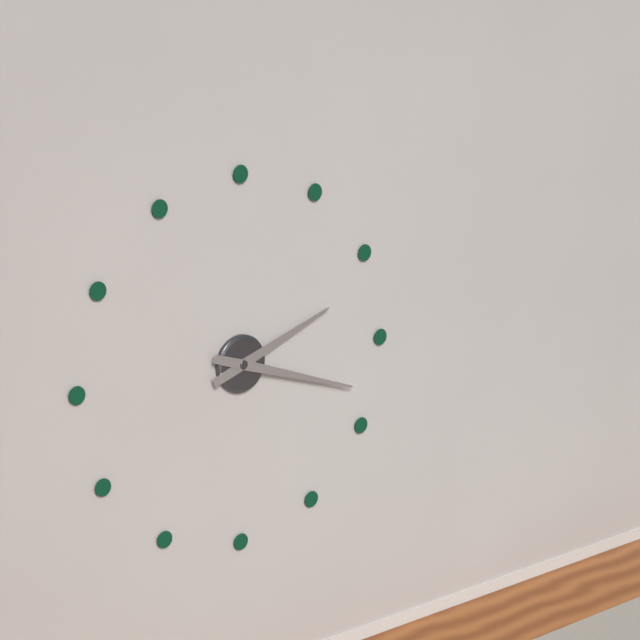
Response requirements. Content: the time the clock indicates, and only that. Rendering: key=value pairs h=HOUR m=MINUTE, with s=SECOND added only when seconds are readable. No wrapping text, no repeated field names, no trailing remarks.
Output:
h=2 m=18
